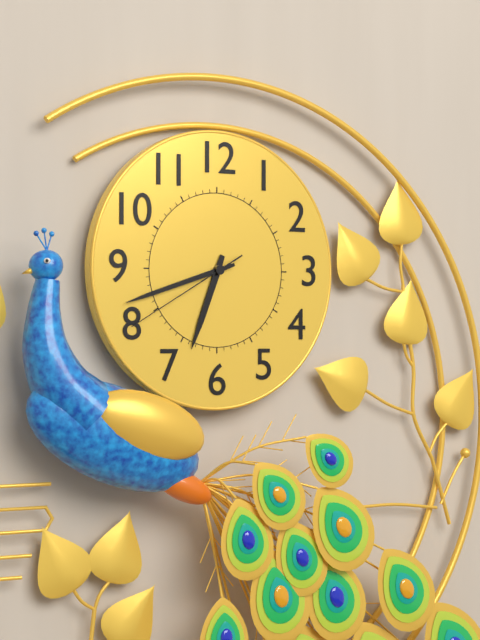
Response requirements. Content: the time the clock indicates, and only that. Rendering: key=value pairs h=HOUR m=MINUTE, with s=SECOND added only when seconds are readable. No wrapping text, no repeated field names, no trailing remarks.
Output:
h=6 m=42 s=40
